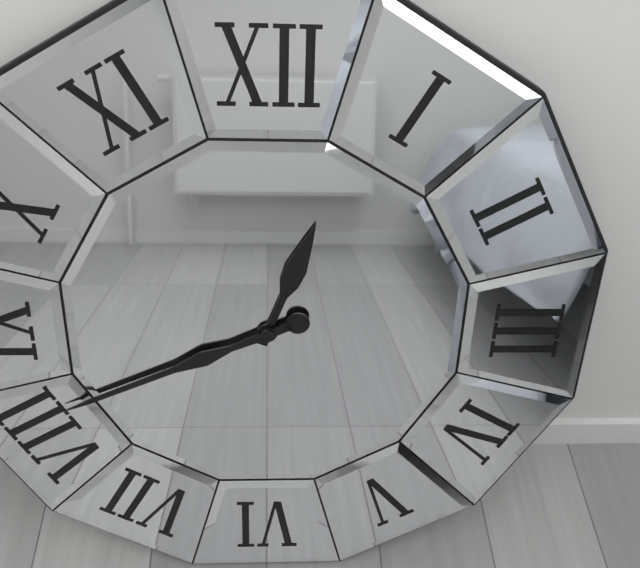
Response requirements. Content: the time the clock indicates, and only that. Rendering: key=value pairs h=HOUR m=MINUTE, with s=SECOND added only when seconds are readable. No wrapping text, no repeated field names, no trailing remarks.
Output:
h=12 m=41
